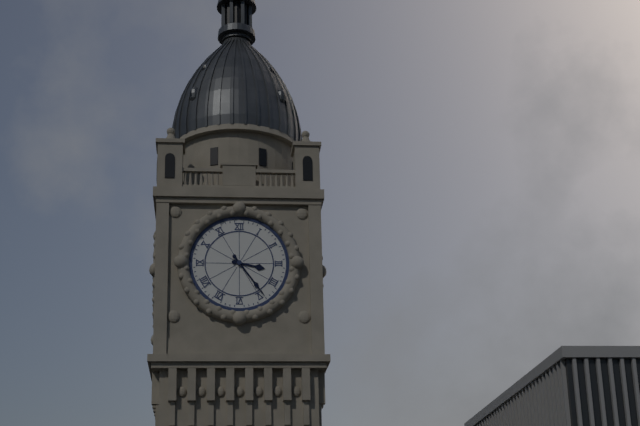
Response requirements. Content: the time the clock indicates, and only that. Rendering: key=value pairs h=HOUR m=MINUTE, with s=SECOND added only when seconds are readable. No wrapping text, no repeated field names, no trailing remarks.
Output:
h=3 m=24
